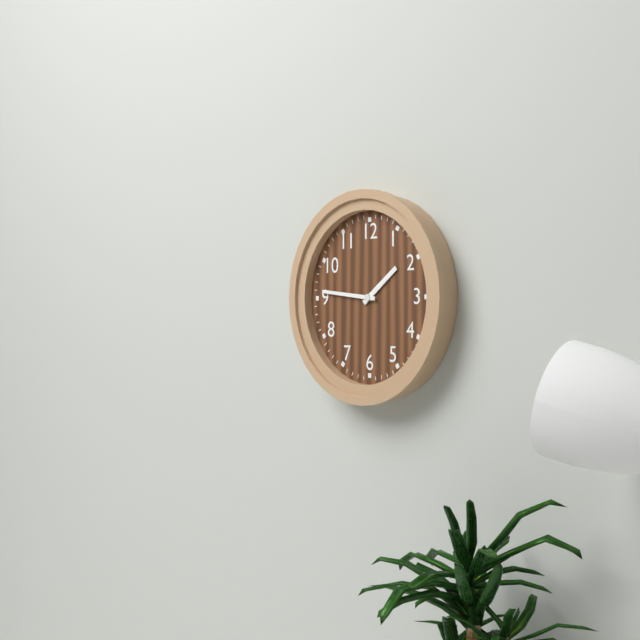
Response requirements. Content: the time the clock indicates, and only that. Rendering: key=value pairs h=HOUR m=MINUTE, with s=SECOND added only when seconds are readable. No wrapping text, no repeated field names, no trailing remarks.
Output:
h=1 m=46
